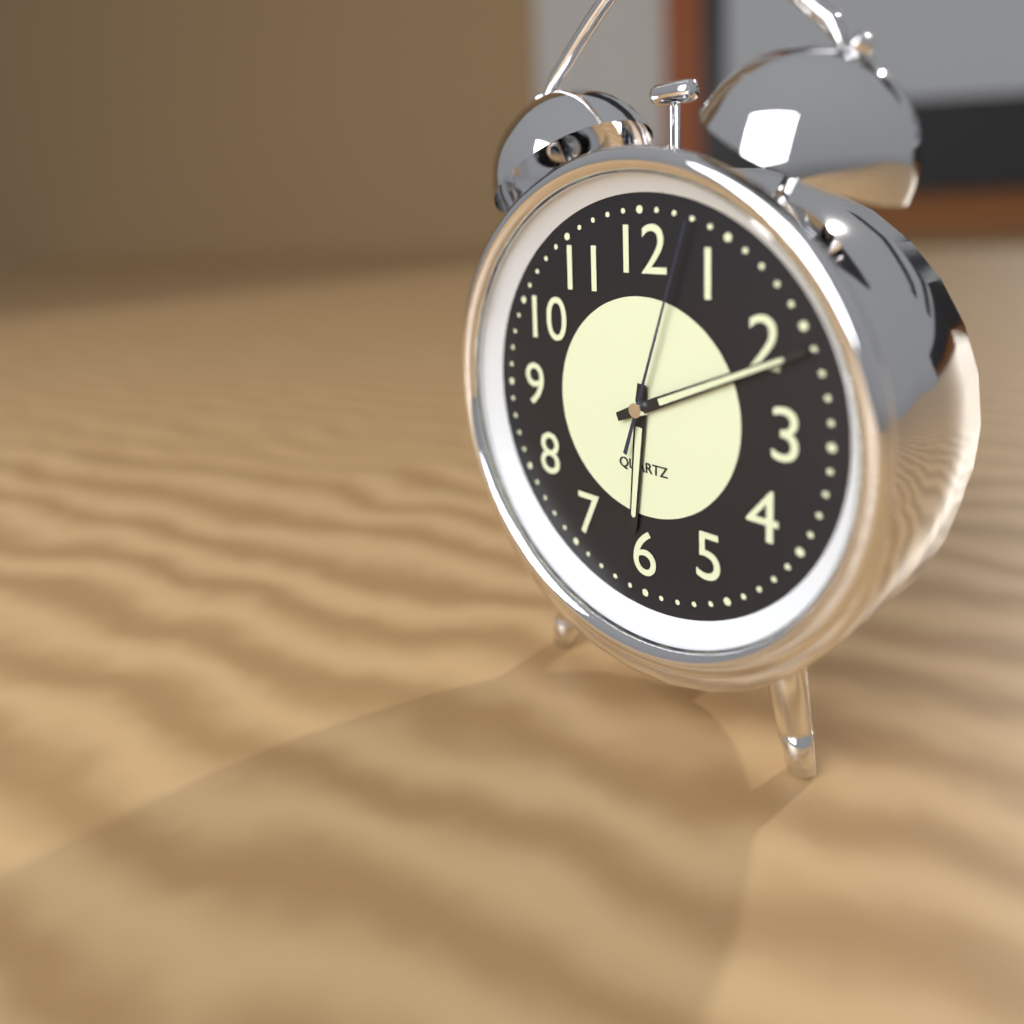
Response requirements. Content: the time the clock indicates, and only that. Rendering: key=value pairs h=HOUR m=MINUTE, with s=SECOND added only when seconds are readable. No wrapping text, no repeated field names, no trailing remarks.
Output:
h=6 m=11 s=3
